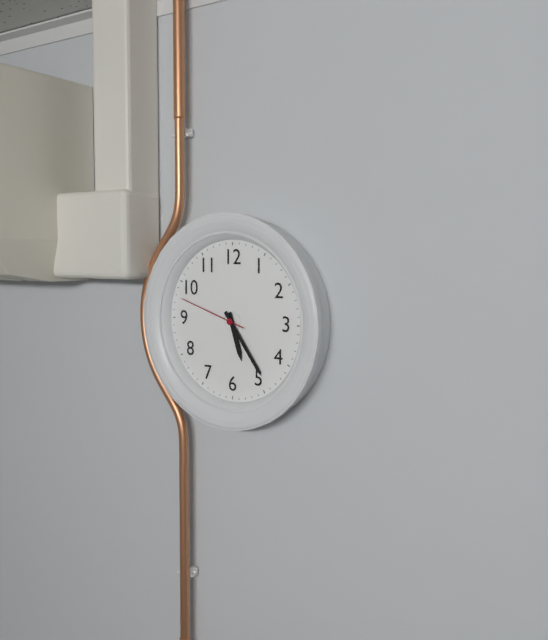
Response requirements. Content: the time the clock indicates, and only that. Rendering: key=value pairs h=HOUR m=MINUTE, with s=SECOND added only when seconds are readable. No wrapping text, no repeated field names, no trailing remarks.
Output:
h=5 m=24 s=48
